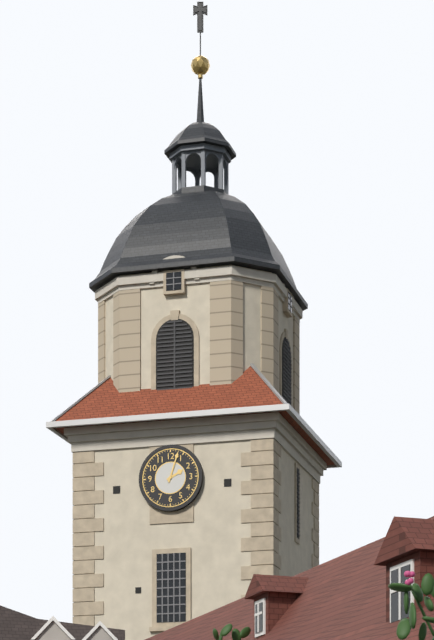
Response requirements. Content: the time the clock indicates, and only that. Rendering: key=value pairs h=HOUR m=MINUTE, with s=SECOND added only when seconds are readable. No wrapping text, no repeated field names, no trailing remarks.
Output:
h=2 m=3
